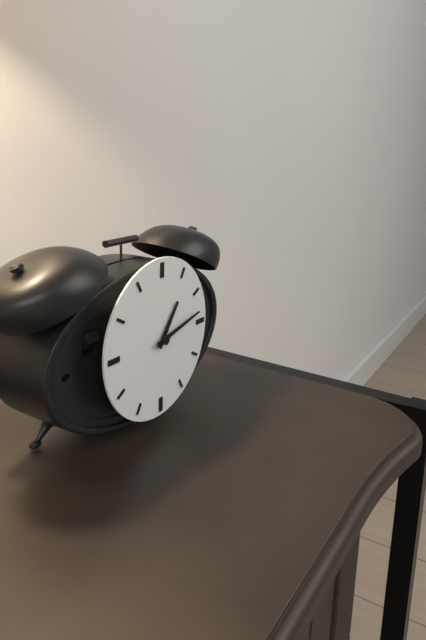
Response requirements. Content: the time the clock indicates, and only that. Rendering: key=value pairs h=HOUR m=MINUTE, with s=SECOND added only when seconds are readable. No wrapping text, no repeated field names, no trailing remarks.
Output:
h=1 m=13
